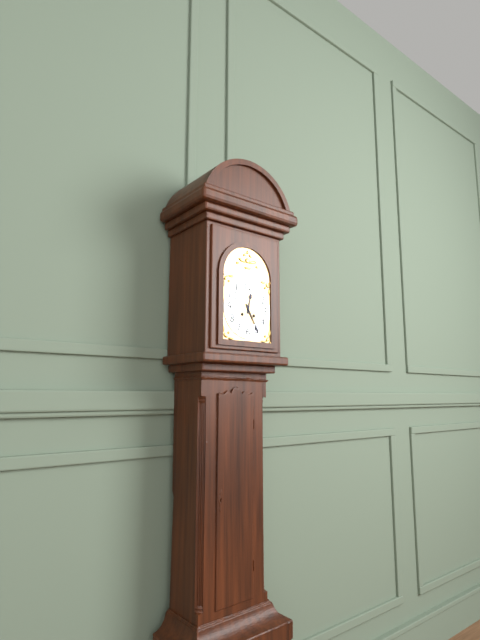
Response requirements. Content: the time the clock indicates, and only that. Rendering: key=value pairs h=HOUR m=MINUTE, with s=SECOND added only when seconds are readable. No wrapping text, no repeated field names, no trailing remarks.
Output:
h=12 m=25
